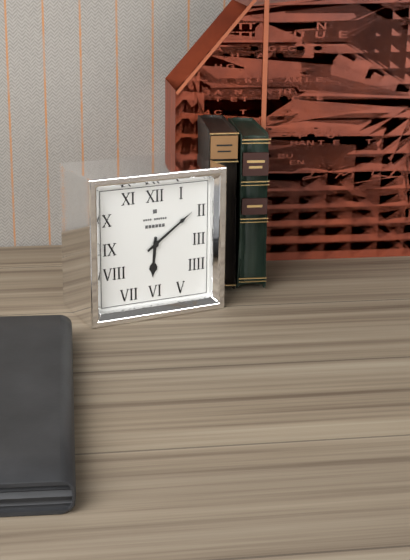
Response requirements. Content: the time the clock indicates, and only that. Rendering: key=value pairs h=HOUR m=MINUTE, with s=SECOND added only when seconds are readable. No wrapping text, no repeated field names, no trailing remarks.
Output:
h=6 m=9
